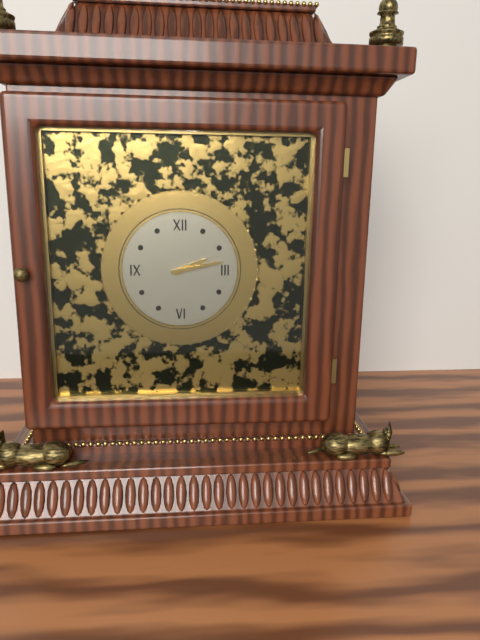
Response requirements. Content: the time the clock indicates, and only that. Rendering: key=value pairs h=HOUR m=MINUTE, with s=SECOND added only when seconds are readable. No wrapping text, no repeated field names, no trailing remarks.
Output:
h=2 m=13
